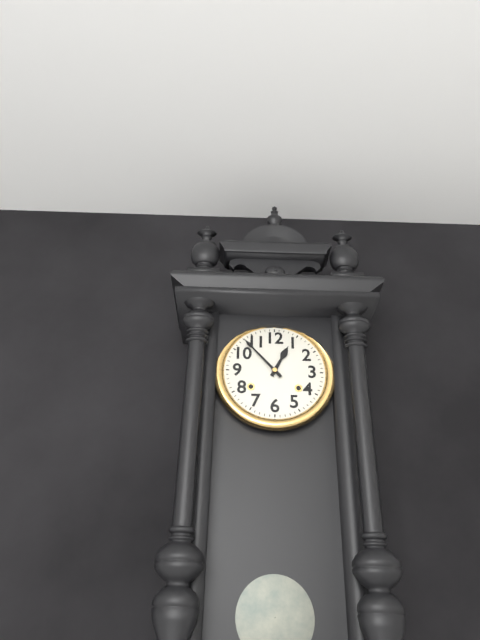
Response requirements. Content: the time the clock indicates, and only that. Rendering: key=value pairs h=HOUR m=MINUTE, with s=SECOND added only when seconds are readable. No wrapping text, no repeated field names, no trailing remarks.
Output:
h=12 m=53
